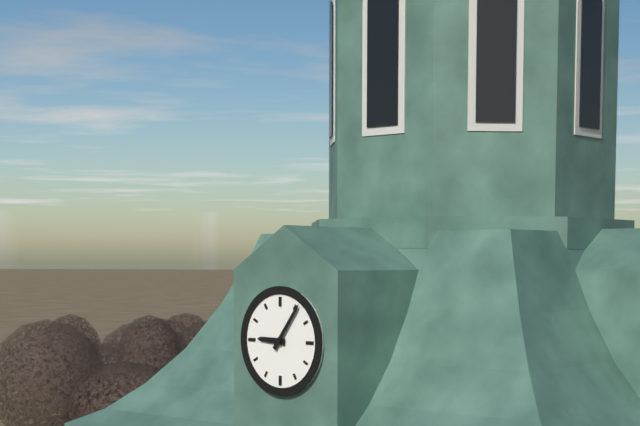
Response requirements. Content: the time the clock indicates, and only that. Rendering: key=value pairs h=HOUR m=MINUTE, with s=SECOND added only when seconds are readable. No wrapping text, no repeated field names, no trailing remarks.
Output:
h=9 m=6
